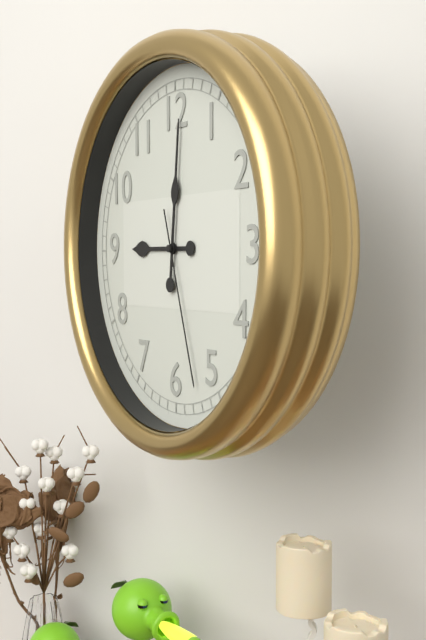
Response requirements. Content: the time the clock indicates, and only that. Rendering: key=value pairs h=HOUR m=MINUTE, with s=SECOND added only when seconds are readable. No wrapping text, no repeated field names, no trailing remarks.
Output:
h=9 m=1 s=27
